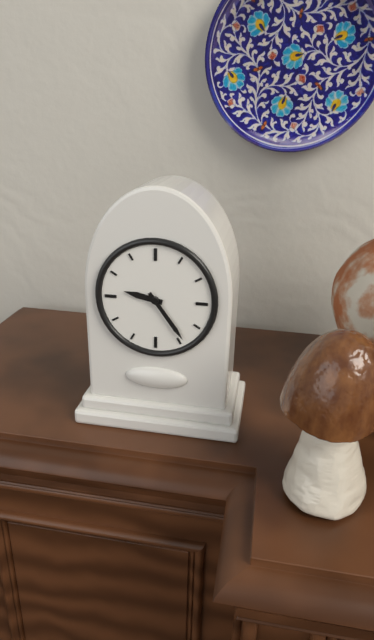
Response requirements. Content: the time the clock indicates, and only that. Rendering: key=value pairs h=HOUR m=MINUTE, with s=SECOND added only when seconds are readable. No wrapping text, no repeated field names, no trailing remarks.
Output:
h=9 m=24
